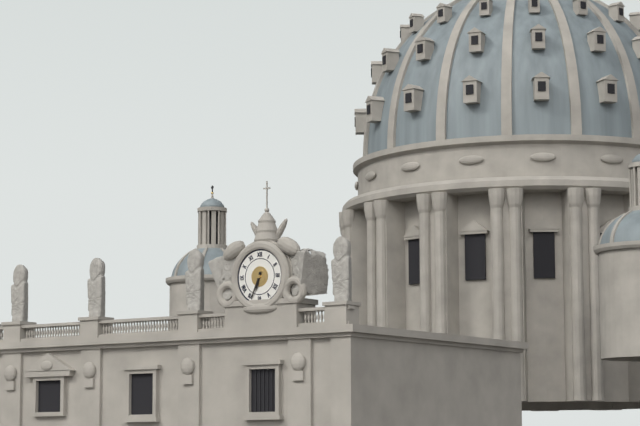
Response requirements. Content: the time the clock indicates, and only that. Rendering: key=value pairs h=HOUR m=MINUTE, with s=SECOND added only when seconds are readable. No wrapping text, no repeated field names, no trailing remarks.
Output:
h=6 m=34
